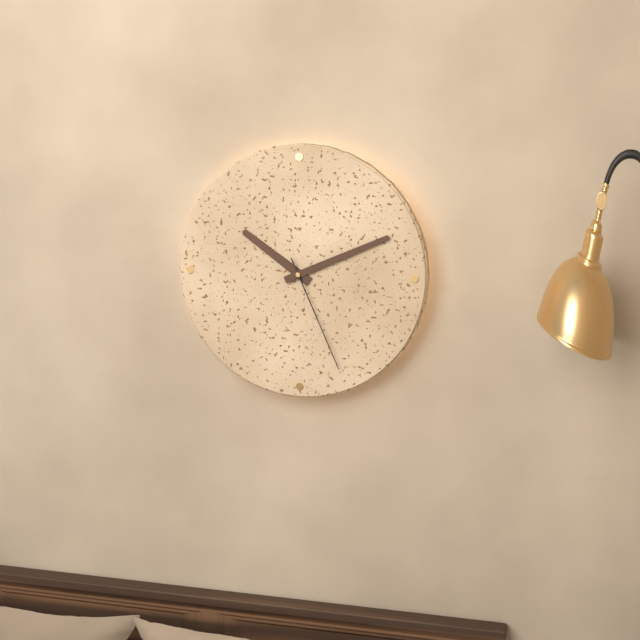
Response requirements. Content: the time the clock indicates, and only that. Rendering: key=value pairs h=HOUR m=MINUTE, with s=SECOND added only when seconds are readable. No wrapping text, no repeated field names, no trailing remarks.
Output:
h=10 m=11 s=26
